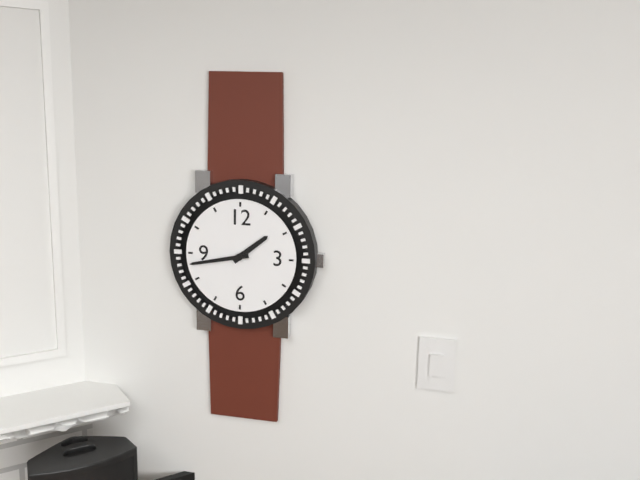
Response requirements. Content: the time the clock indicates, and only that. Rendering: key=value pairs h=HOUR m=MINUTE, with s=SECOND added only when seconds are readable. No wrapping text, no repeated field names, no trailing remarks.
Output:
h=1 m=43
